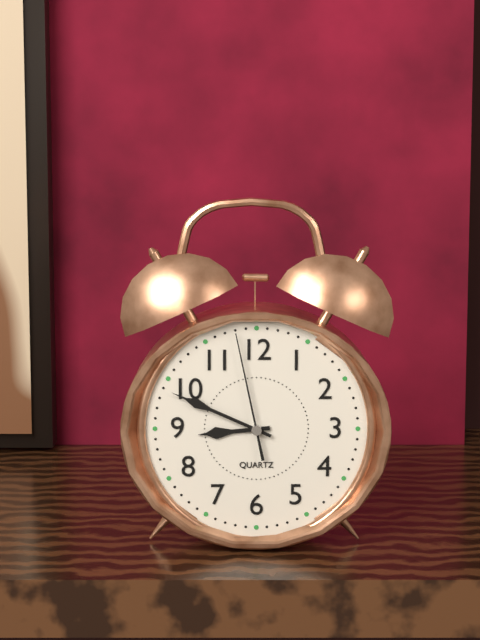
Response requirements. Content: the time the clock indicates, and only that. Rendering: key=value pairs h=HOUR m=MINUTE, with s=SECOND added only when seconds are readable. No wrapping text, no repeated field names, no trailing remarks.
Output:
h=8 m=49 s=58
